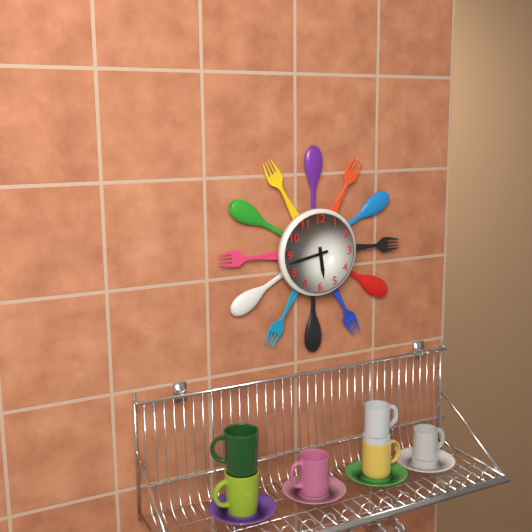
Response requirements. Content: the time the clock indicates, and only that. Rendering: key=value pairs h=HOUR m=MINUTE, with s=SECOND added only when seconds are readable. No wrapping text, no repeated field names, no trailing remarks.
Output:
h=5 m=43
